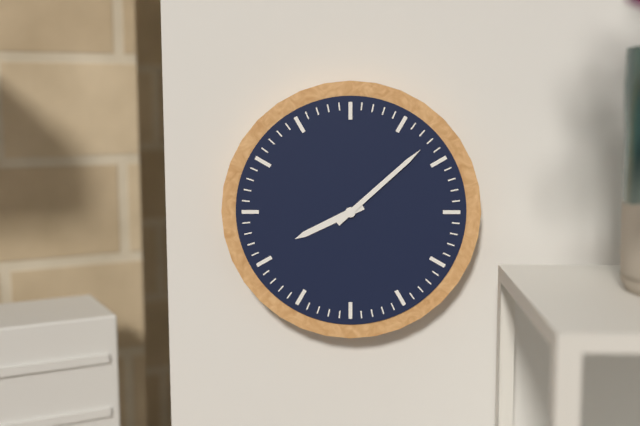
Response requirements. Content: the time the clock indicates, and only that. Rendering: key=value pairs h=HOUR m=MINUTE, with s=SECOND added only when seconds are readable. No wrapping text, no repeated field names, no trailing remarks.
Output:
h=8 m=8
